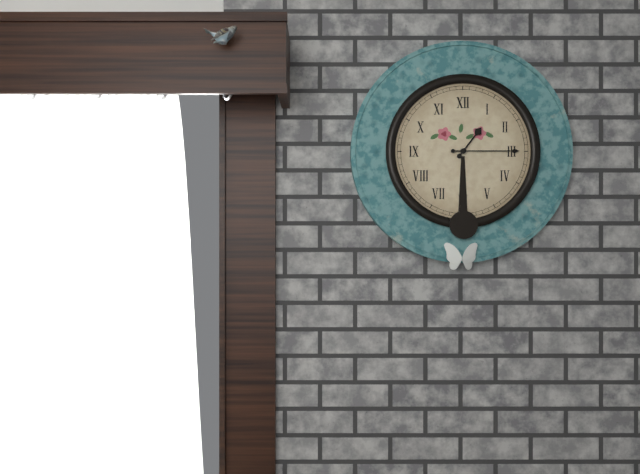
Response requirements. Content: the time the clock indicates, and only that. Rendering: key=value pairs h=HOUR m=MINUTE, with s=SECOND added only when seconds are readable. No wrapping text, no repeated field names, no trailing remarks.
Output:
h=1 m=15
